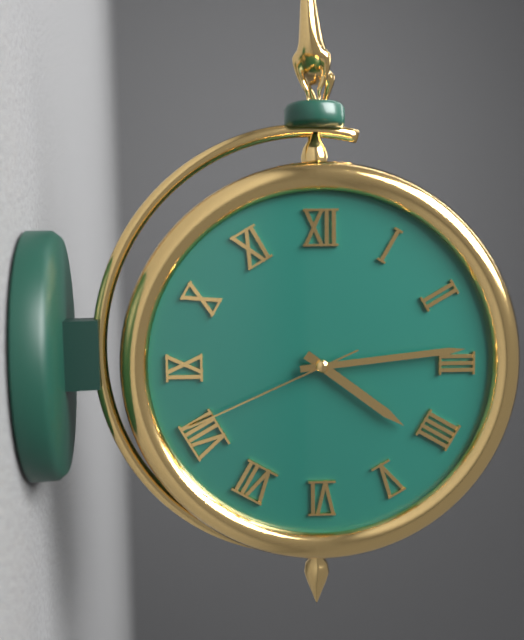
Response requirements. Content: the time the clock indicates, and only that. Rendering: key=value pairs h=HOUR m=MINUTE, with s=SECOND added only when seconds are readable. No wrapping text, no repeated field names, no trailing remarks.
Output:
h=4 m=14 s=41
